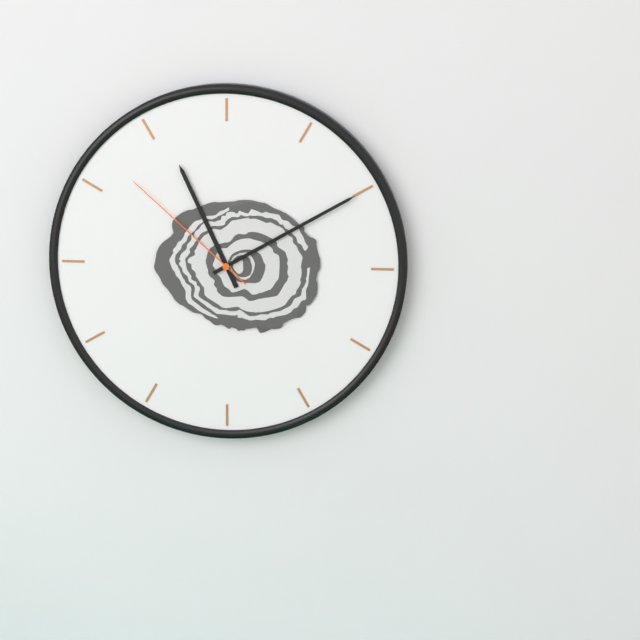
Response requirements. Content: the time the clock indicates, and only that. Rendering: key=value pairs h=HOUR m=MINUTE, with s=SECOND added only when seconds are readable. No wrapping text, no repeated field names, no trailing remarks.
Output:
h=11 m=10 s=52
